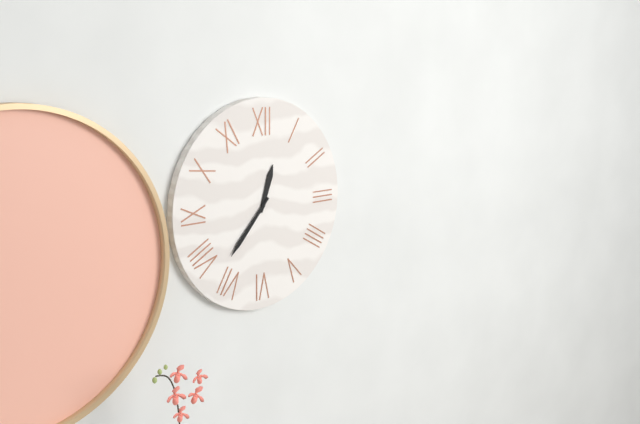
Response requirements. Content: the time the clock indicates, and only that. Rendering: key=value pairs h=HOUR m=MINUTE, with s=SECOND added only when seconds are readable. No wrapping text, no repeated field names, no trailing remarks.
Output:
h=12 m=37
